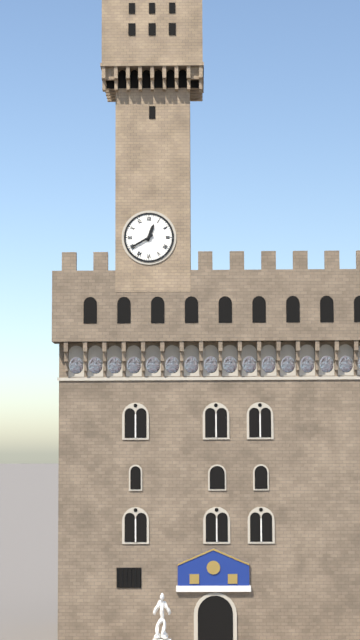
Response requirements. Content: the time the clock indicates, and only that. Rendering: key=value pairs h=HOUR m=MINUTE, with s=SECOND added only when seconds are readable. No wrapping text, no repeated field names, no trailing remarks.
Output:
h=12 m=40
